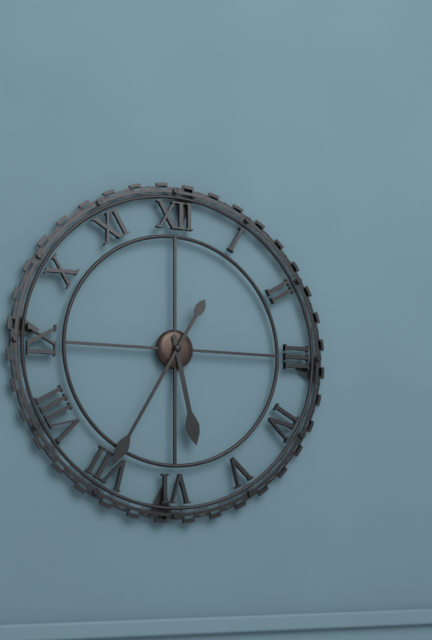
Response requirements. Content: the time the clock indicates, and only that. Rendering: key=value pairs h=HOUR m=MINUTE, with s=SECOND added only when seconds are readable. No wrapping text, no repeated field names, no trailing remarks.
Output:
h=5 m=35
